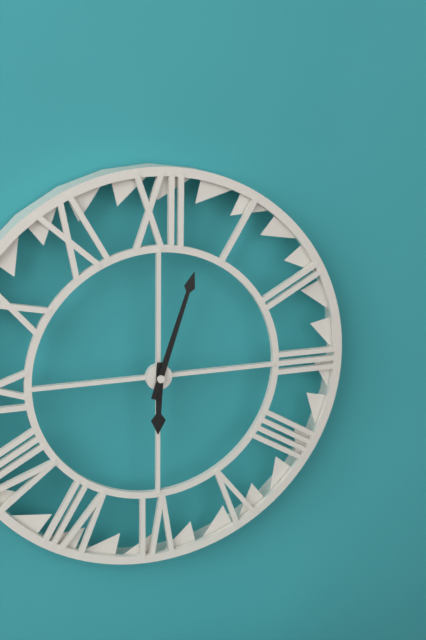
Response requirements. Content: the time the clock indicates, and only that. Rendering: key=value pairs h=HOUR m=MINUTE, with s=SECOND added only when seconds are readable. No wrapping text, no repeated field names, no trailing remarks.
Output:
h=6 m=3
